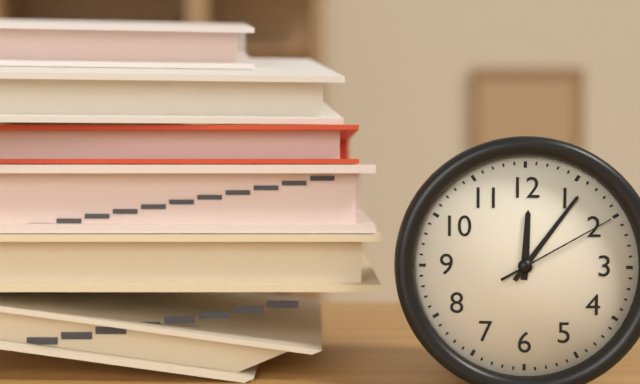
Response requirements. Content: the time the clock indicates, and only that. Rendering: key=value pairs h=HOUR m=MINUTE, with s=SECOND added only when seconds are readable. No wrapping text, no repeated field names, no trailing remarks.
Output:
h=12 m=6 s=10
